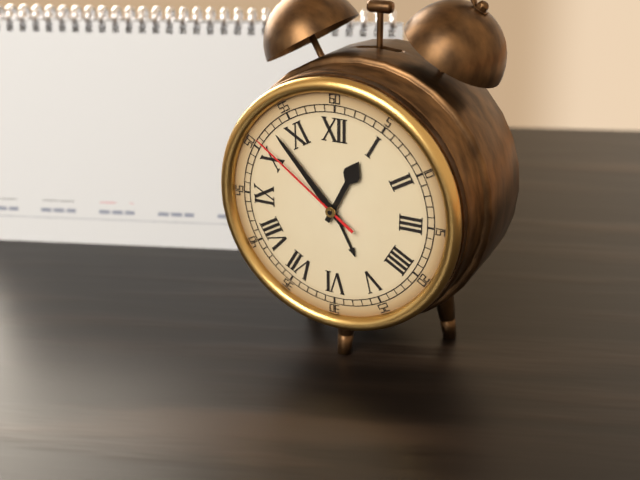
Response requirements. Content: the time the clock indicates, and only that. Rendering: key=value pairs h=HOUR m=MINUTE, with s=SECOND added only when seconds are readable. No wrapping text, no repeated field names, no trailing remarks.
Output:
h=12 m=53 s=51
